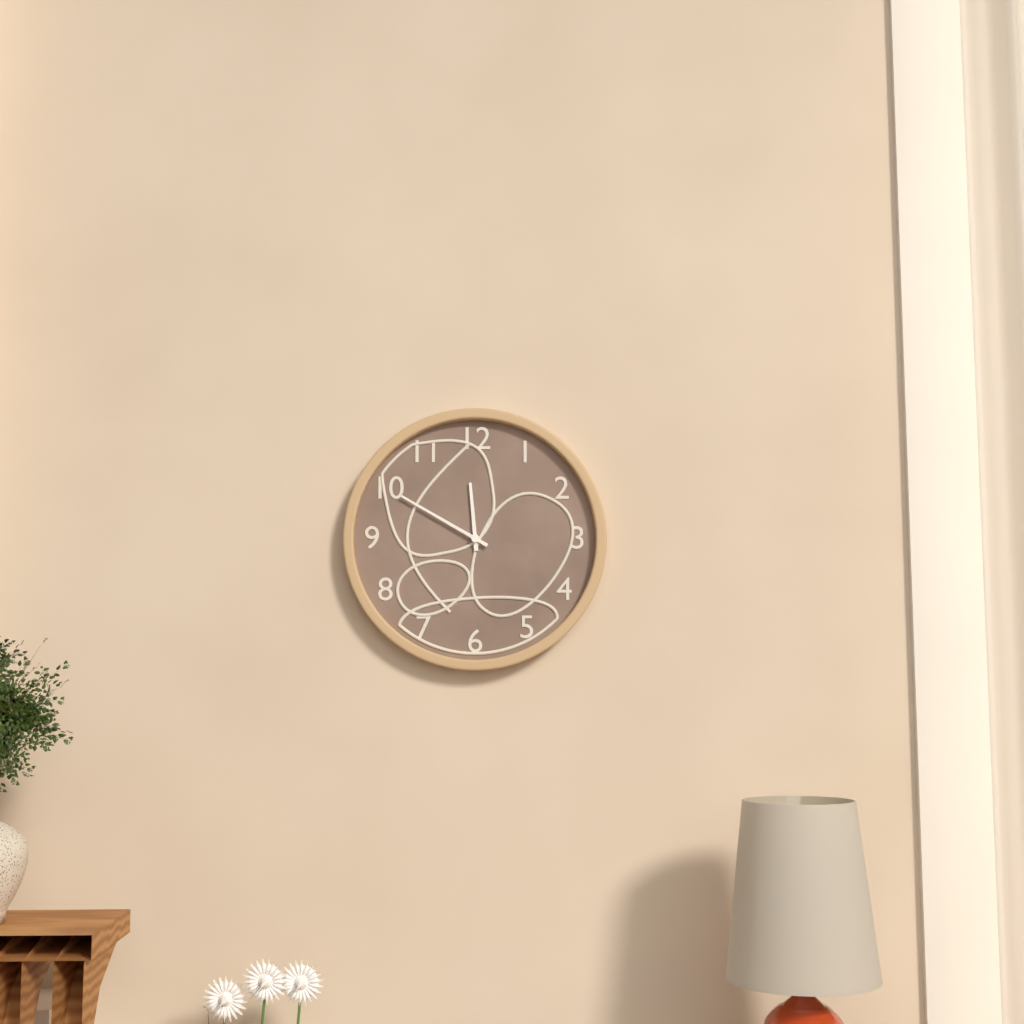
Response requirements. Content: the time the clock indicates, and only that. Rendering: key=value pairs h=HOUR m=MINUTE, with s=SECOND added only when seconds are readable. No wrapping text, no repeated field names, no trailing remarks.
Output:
h=11 m=50
